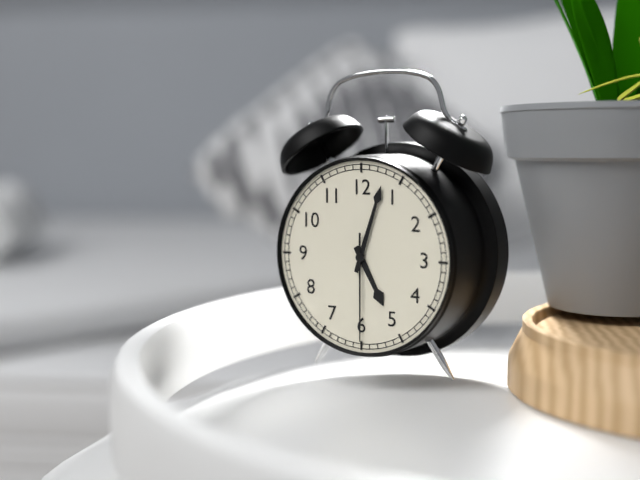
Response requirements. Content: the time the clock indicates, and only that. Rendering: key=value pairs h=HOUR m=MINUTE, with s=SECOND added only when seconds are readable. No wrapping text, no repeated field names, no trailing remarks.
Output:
h=5 m=3 s=30
